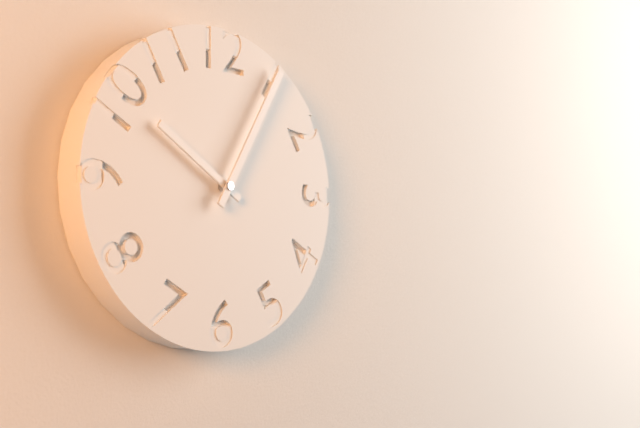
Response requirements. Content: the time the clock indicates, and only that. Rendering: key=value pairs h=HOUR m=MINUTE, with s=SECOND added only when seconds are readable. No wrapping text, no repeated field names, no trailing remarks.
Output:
h=10 m=5
